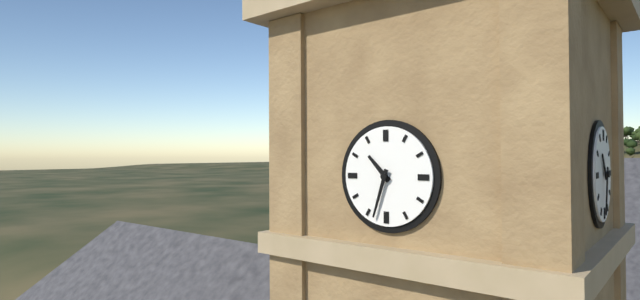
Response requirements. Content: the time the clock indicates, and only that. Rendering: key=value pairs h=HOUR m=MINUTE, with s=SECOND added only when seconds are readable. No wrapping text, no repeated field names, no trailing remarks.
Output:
h=10 m=33
